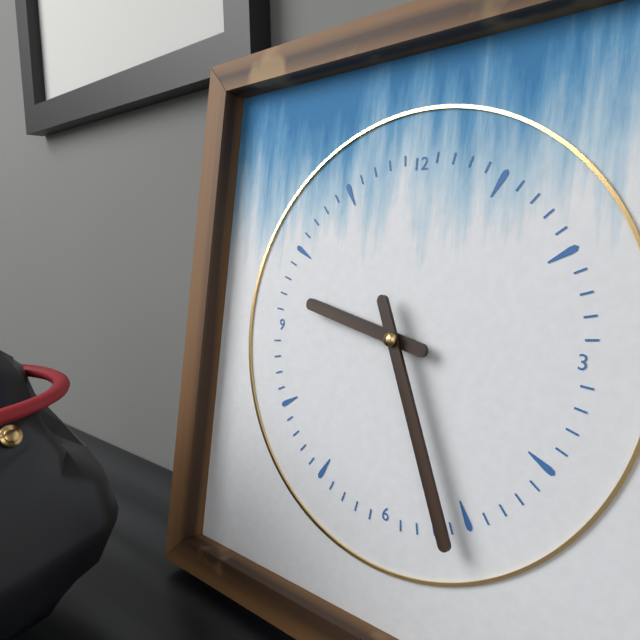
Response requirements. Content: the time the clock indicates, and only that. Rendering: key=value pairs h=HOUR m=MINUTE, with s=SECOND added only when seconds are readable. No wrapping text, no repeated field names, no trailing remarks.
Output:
h=9 m=26
